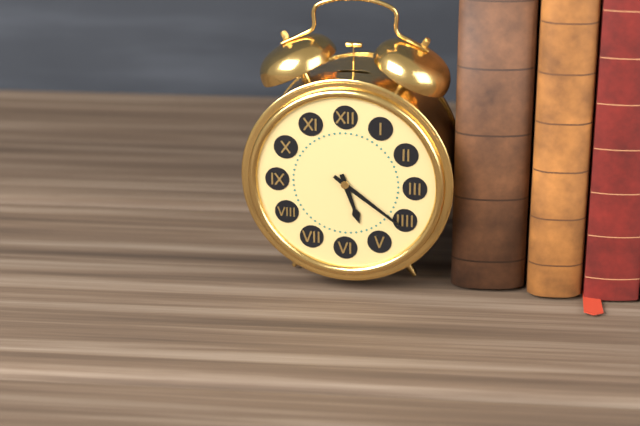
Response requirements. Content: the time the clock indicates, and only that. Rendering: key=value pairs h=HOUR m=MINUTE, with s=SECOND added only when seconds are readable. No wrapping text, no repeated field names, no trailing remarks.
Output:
h=5 m=21
